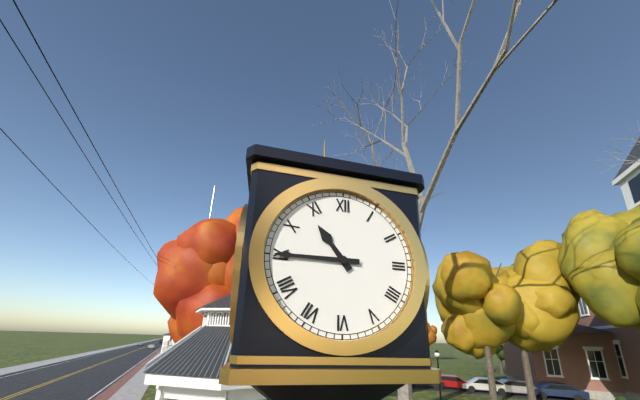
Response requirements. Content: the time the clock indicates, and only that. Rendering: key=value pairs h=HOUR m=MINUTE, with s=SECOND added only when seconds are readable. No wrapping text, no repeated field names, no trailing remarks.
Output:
h=10 m=45
